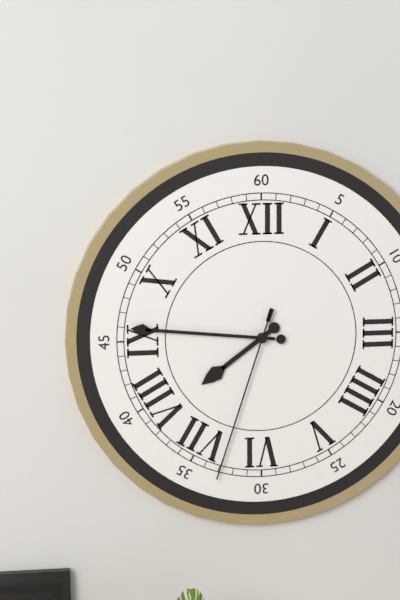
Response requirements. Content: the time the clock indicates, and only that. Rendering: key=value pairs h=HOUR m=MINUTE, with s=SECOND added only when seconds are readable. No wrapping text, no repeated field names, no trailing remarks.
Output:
h=7 m=46 s=33
